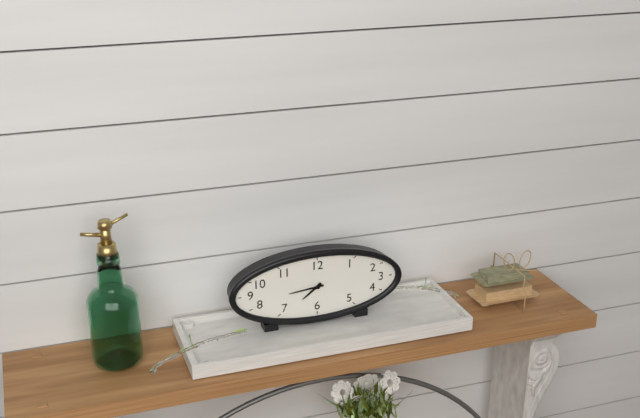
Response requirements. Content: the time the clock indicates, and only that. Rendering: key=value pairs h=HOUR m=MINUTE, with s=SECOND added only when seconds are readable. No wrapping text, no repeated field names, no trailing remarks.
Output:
h=7 m=44
